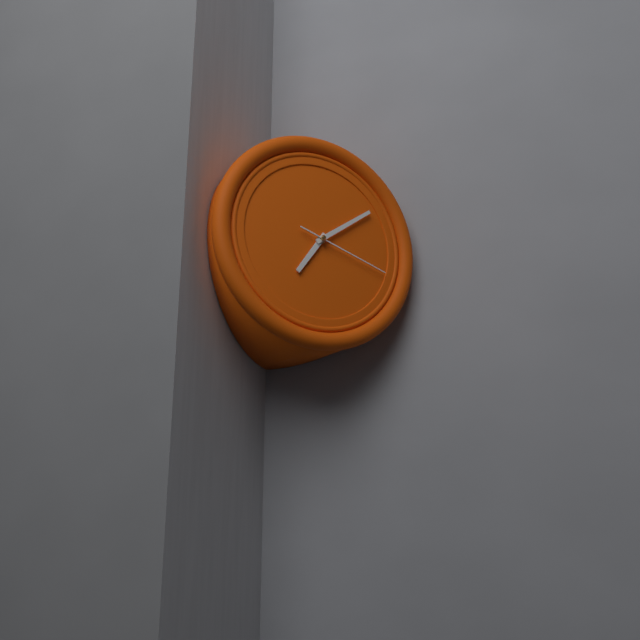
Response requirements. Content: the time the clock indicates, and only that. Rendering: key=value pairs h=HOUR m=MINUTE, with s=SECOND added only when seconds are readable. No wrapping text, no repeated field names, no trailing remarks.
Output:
h=7 m=9 s=18
